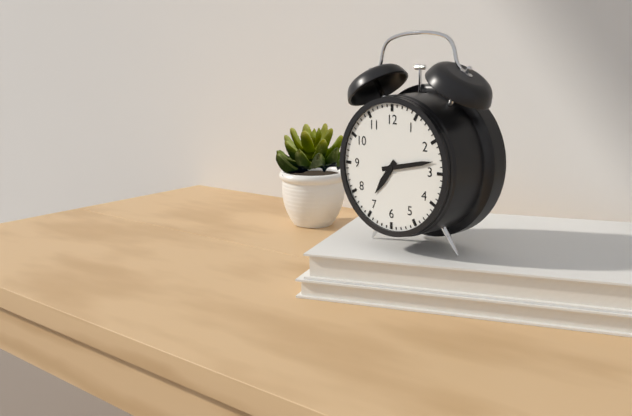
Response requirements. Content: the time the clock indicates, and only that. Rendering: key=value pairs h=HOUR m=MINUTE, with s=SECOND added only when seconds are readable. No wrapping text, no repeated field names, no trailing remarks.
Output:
h=7 m=13
